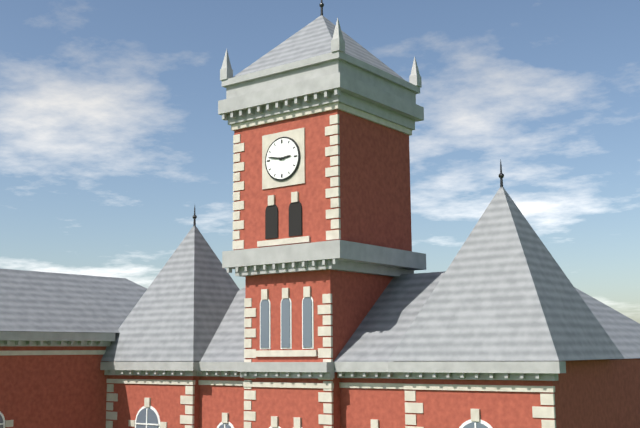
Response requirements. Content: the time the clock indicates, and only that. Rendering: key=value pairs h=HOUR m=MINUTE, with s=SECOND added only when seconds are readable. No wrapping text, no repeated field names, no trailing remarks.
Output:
h=2 m=47
